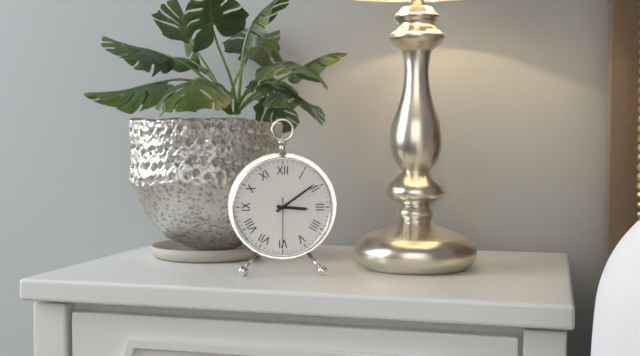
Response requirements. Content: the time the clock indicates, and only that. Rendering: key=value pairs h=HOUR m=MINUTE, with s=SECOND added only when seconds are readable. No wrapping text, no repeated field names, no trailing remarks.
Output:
h=3 m=9 s=30
